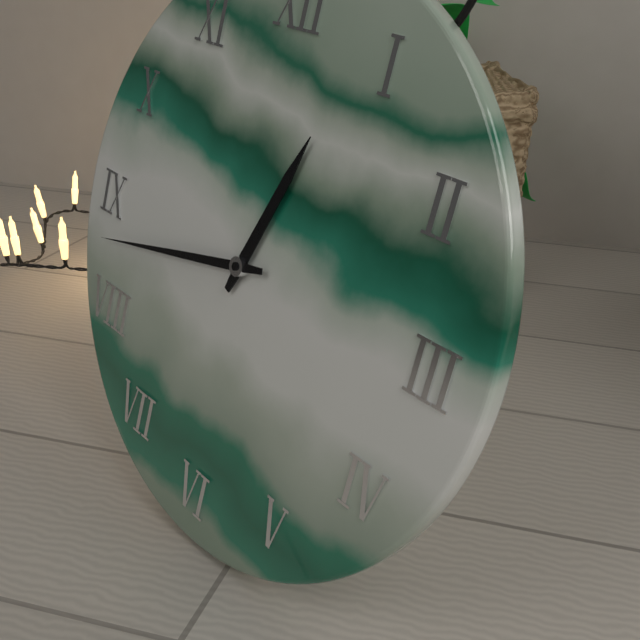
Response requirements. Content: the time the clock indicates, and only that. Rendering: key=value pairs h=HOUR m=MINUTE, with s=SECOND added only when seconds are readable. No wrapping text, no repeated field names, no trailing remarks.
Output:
h=12 m=43
